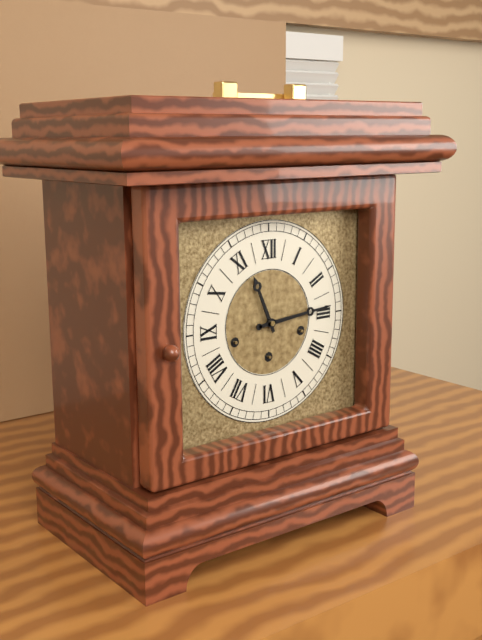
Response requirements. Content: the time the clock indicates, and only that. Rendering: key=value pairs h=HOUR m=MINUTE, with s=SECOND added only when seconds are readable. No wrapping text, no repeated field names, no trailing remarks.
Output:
h=11 m=14
